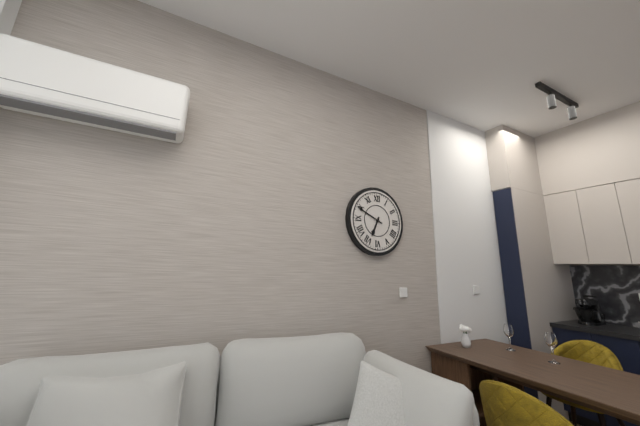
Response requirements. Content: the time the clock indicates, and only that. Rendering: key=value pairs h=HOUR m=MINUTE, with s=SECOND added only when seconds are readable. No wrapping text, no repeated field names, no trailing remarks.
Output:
h=6 m=49
